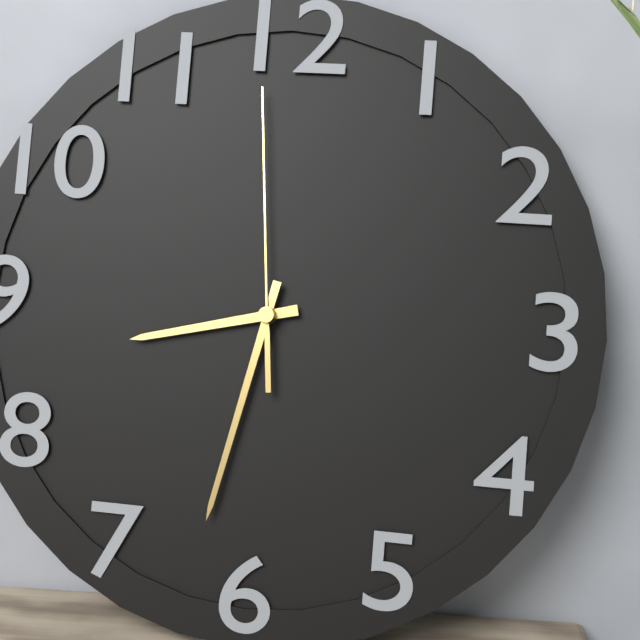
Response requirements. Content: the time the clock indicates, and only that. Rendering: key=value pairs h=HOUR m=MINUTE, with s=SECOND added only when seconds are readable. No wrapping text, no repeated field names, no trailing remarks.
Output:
h=8 m=32 s=59
